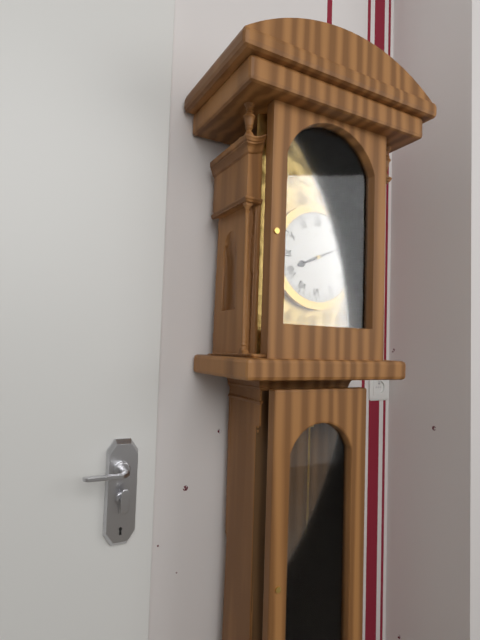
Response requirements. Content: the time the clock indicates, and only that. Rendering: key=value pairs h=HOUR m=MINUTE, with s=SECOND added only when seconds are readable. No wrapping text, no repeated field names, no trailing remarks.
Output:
h=8 m=11
